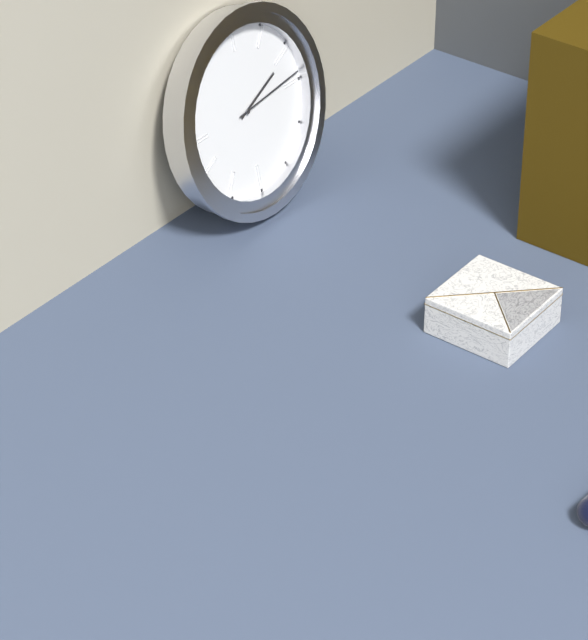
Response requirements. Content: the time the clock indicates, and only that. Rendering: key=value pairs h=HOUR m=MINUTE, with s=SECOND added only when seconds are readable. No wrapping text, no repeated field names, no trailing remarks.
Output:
h=2 m=14
